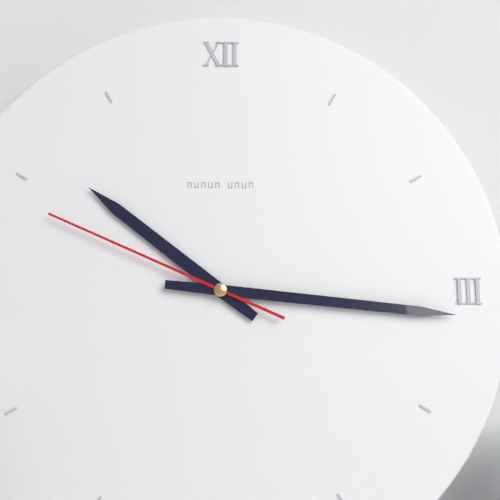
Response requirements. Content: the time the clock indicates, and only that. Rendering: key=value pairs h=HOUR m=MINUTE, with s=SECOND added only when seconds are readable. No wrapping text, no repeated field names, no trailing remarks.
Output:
h=10 m=16 s=49
